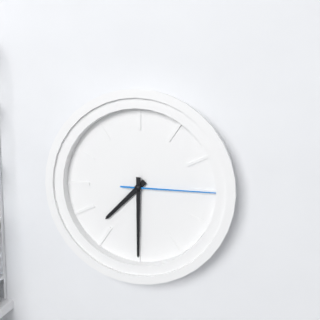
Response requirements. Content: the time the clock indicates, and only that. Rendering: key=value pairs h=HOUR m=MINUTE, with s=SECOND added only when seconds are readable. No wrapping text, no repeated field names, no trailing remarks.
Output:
h=7 m=30 s=15
